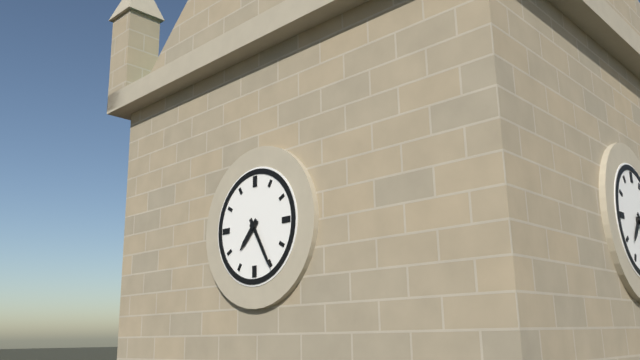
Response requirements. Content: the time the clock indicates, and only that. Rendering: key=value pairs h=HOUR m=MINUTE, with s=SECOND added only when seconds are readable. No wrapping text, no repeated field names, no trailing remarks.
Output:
h=7 m=25
